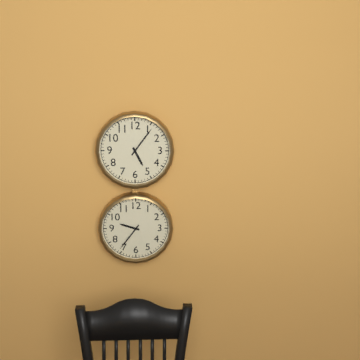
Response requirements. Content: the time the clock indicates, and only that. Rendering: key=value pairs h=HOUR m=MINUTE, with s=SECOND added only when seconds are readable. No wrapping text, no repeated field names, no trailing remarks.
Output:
h=5 m=6
